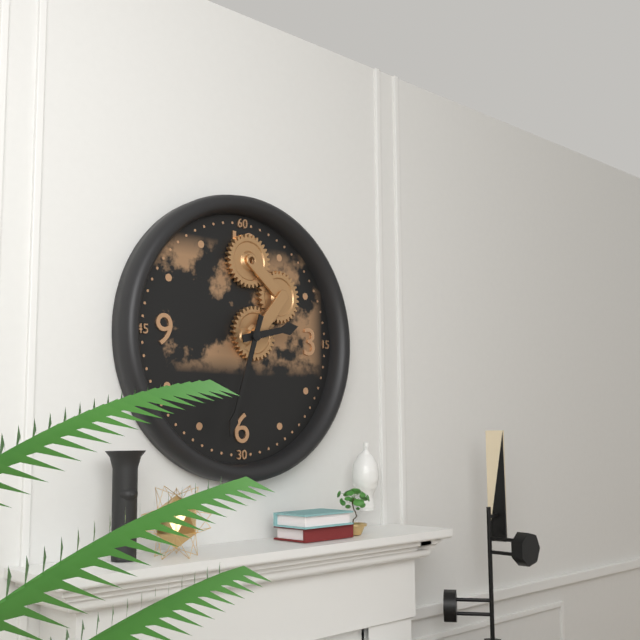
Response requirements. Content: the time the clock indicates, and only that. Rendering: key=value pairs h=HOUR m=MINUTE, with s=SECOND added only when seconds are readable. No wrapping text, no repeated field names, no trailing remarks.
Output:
h=2 m=33
